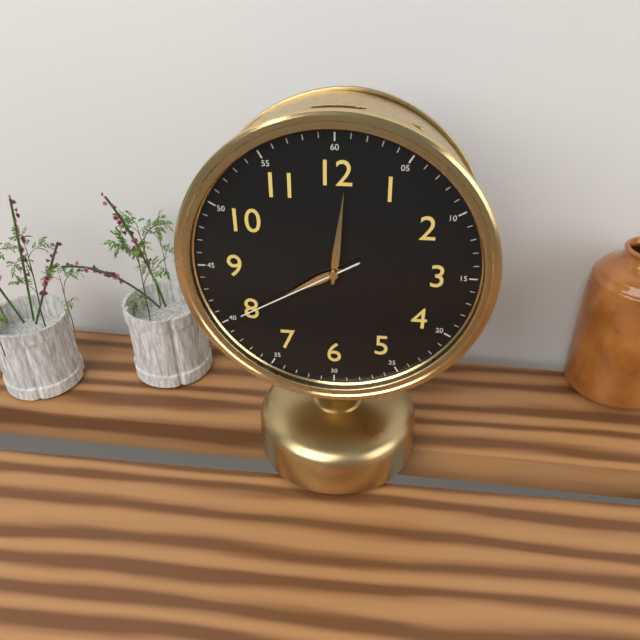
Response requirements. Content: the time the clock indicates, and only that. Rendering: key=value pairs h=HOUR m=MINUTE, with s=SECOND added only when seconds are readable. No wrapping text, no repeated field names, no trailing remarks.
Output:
h=8 m=1 s=40
